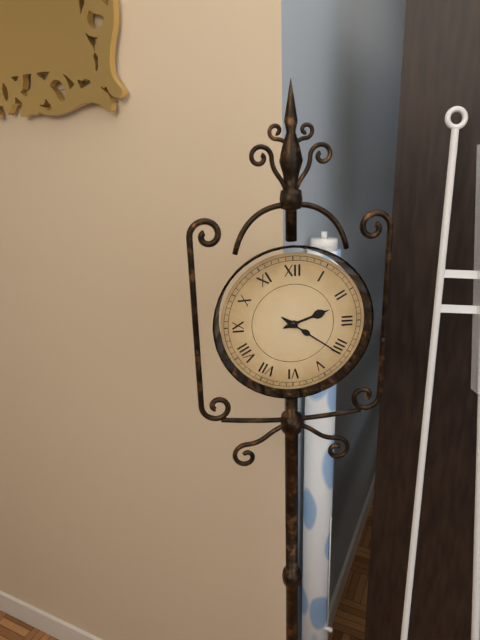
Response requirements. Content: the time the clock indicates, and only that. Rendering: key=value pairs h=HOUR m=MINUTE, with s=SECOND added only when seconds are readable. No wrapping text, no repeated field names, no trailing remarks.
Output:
h=2 m=21
